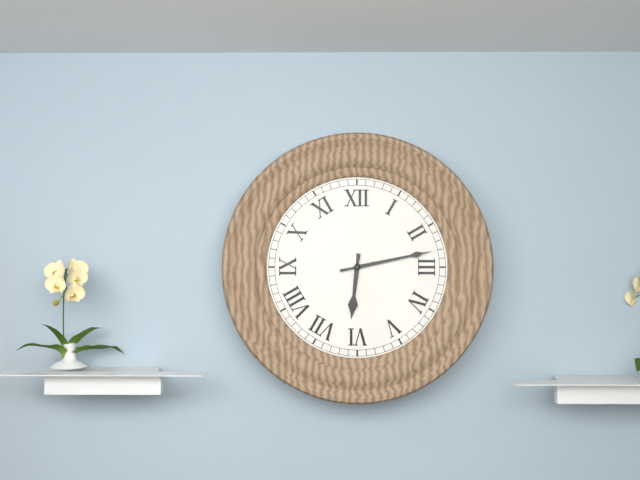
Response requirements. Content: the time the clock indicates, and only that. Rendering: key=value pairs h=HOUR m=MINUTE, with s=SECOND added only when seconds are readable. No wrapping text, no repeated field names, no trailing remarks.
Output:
h=6 m=13
